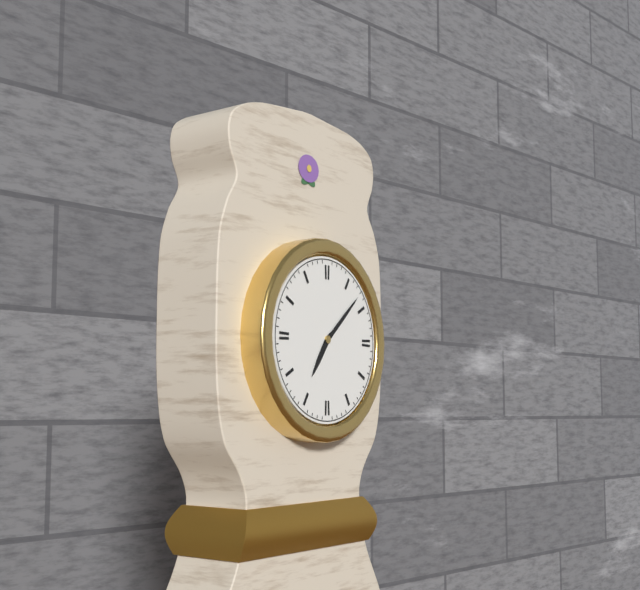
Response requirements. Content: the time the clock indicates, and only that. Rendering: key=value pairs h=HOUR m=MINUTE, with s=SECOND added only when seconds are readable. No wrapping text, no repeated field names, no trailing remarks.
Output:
h=7 m=8
